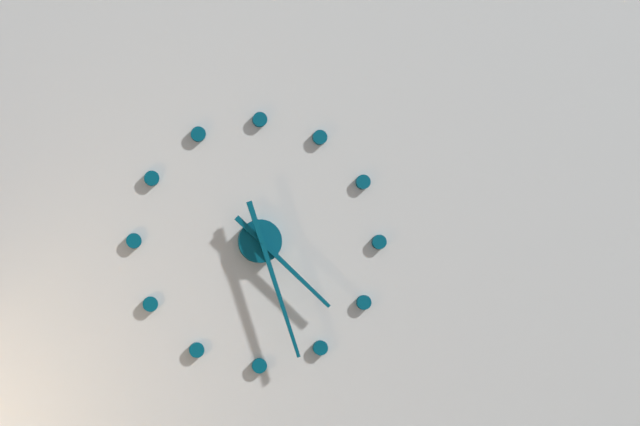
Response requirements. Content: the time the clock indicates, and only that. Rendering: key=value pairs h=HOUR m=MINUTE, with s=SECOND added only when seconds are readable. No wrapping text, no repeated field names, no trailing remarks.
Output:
h=4 m=27
